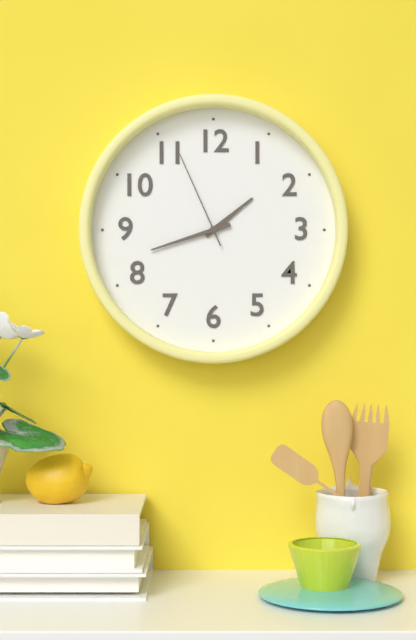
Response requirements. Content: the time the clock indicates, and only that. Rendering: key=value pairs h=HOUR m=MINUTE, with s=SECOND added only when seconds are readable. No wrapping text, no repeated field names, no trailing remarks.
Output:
h=1 m=42 s=56
